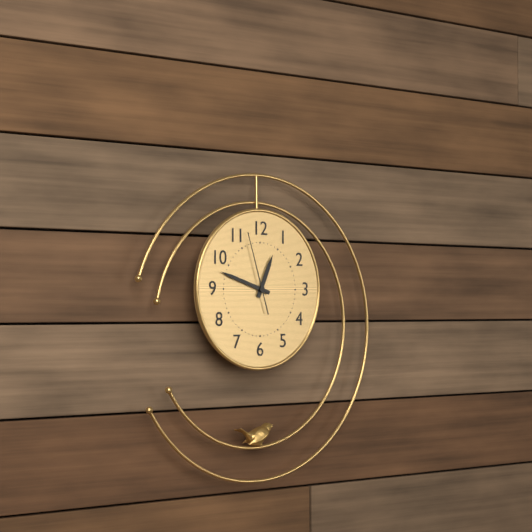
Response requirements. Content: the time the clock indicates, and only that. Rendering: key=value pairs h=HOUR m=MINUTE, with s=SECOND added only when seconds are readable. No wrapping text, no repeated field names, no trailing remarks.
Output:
h=12 m=48 s=57
